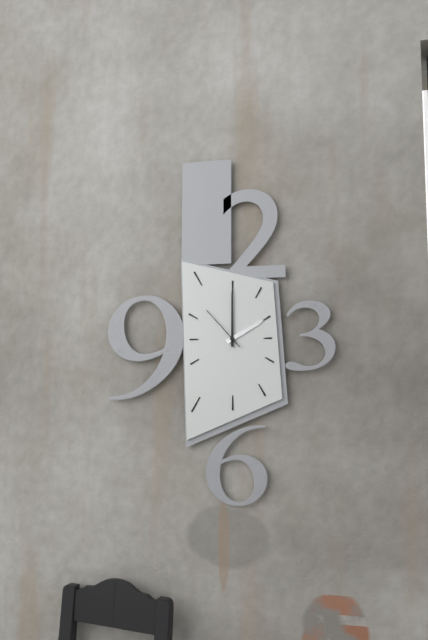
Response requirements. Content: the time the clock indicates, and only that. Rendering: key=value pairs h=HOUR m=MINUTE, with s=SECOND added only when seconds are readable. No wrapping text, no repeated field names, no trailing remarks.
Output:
h=2 m=0
